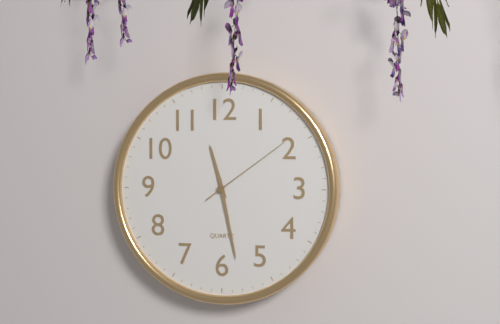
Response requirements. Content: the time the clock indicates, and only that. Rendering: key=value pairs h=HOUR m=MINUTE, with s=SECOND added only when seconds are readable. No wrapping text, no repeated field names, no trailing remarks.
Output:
h=11 m=28 s=9
